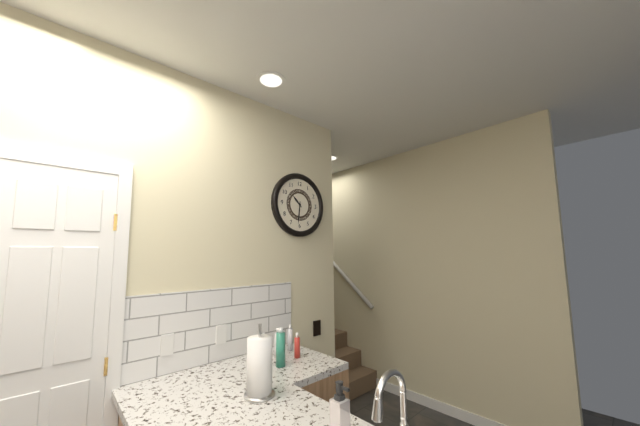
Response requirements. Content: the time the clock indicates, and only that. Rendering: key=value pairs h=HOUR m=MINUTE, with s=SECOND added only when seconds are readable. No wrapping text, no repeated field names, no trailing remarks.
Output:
h=10 m=31
